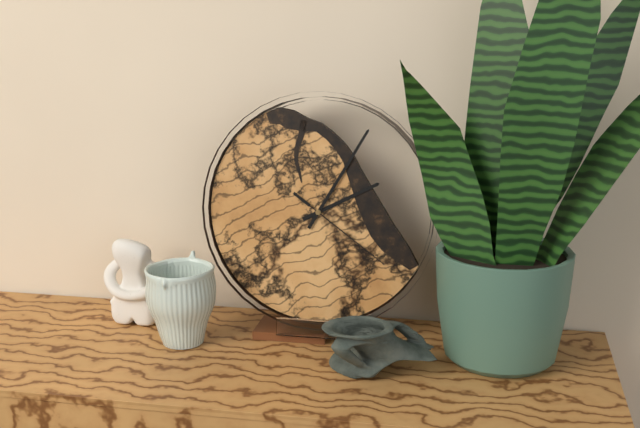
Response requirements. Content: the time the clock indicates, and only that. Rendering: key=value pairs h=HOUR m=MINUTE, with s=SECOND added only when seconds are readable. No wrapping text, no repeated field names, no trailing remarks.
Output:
h=2 m=5 s=21
